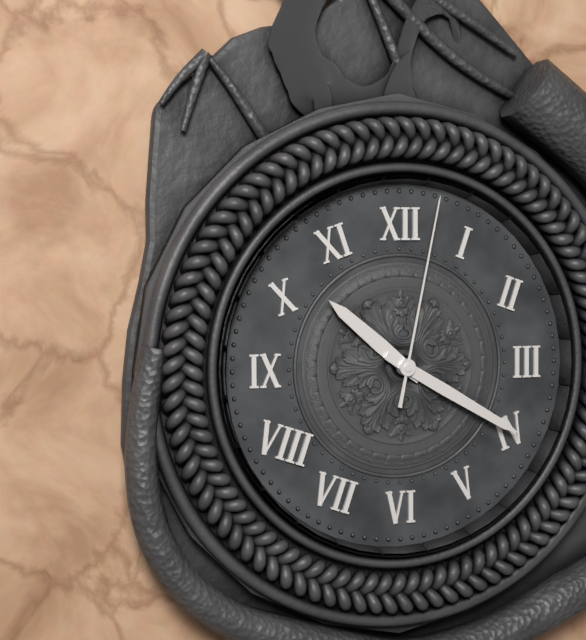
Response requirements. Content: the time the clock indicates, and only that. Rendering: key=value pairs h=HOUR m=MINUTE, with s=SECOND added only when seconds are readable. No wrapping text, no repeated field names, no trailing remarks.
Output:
h=10 m=20 s=2
